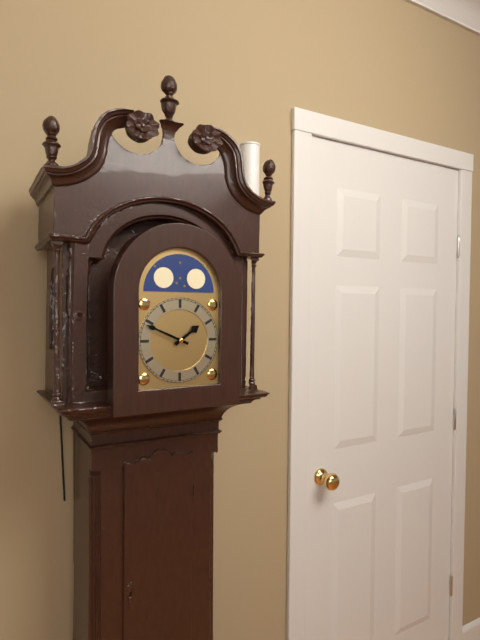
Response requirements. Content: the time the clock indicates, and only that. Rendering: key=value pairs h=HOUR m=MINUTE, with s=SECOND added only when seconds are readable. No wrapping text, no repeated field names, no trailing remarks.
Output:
h=1 m=49
